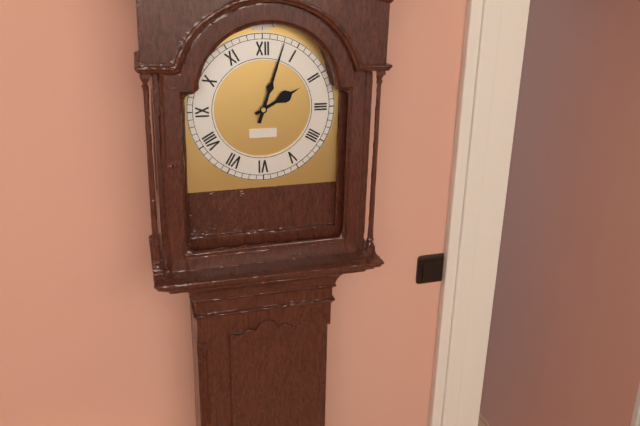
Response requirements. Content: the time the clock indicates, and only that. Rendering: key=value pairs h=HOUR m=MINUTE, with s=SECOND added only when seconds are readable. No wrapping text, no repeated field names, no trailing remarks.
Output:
h=2 m=3
